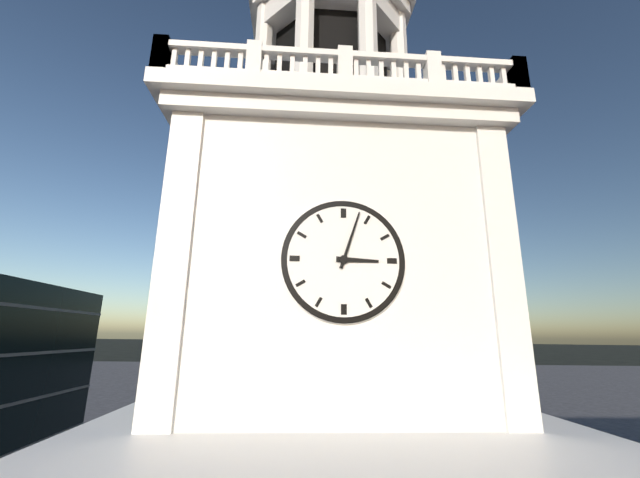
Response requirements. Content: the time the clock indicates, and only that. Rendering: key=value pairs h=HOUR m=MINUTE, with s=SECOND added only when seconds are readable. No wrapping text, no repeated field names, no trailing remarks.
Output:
h=3 m=3
